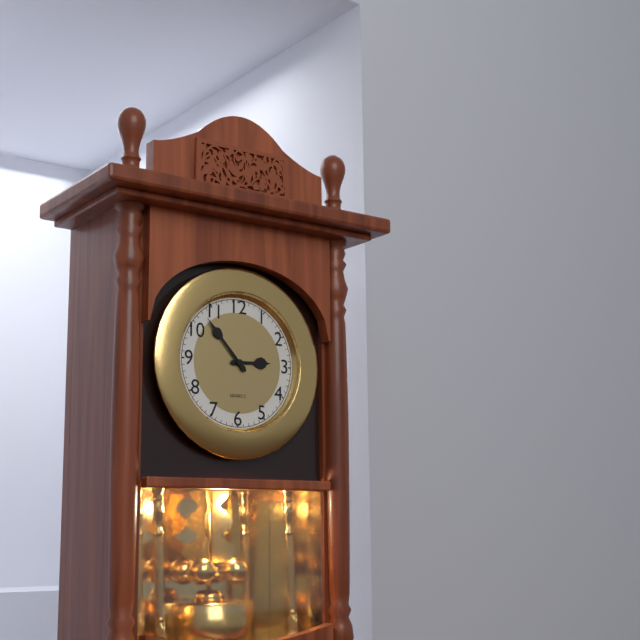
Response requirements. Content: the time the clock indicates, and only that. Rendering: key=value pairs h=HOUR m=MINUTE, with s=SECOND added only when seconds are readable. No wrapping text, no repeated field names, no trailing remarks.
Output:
h=2 m=53
